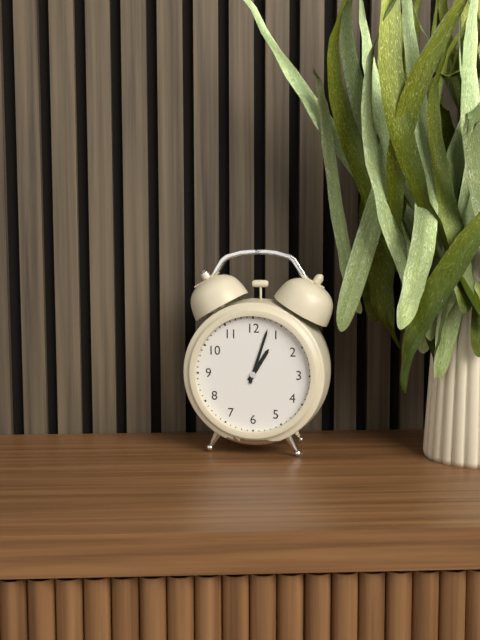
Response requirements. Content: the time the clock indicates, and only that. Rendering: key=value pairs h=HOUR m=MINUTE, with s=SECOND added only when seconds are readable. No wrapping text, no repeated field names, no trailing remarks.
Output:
h=1 m=3
